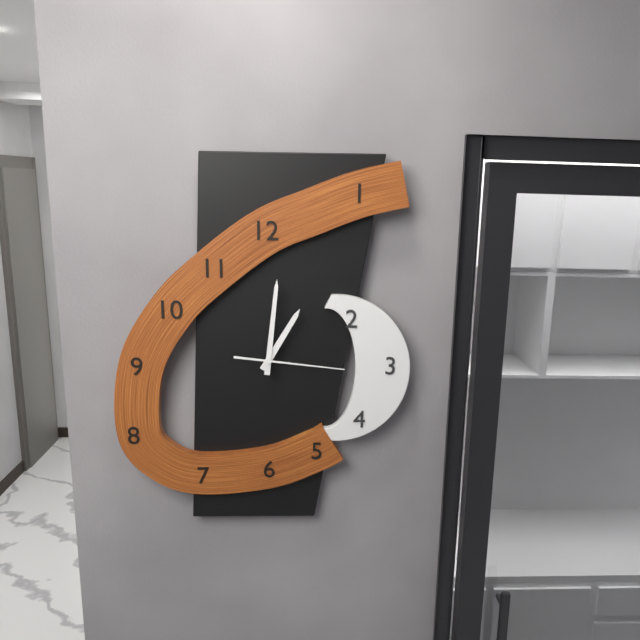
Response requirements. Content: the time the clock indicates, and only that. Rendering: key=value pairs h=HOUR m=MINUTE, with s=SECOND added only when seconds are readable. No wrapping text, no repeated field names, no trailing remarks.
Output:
h=1 m=1 s=16
